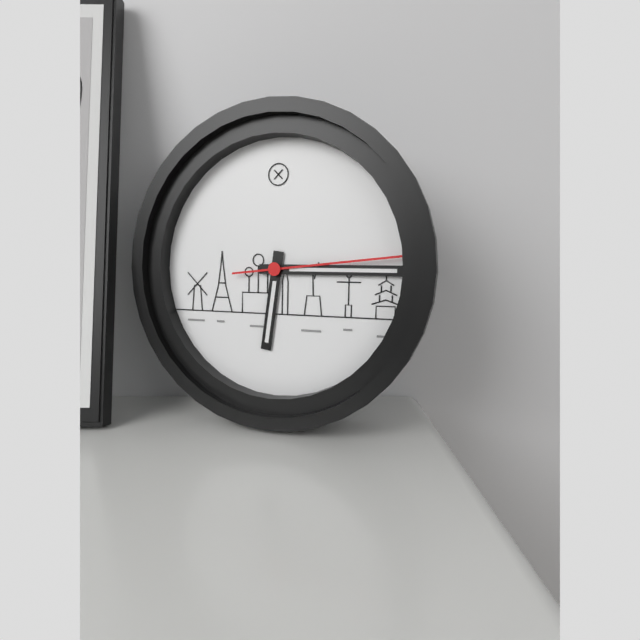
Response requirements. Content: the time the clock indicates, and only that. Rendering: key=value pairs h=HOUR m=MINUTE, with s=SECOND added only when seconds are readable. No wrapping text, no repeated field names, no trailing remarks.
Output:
h=6 m=15 s=14
